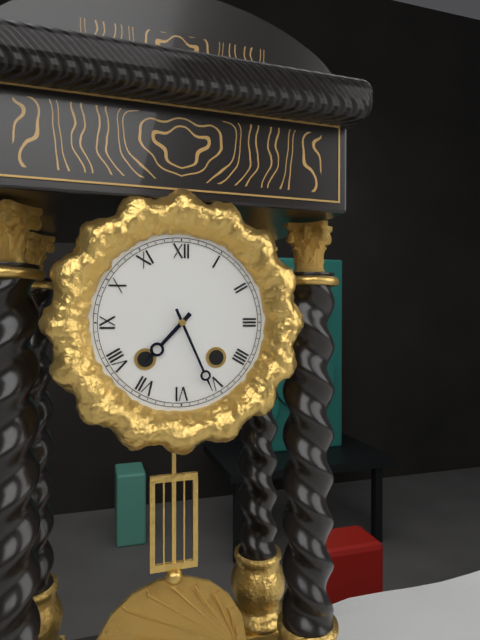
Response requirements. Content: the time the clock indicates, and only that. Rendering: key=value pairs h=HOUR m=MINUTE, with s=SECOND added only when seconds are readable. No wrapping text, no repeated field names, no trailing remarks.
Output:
h=7 m=26
